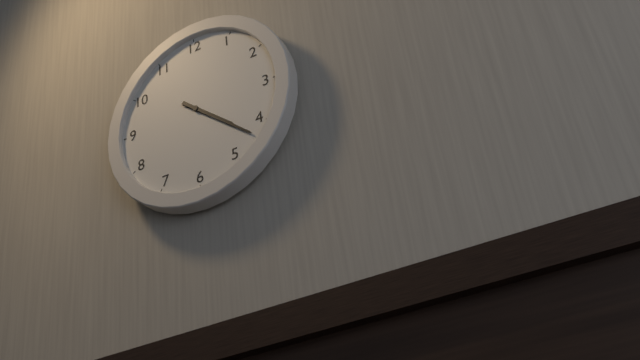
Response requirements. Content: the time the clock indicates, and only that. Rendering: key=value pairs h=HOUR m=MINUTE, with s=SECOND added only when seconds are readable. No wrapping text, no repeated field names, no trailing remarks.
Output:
h=4 m=22
